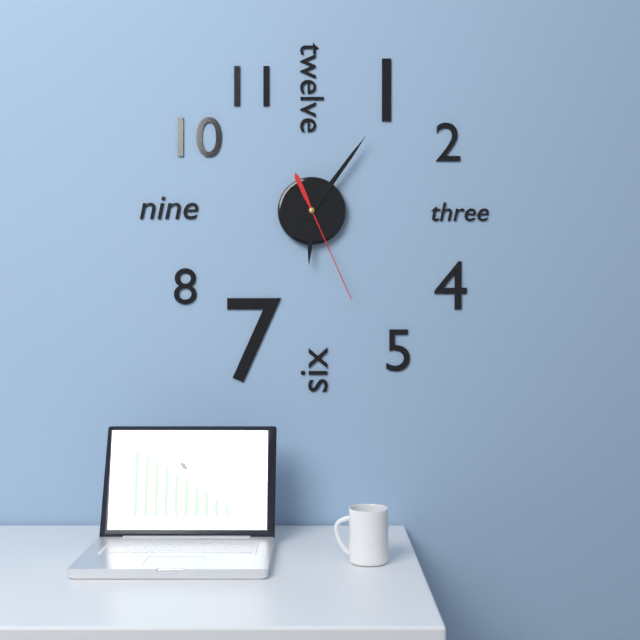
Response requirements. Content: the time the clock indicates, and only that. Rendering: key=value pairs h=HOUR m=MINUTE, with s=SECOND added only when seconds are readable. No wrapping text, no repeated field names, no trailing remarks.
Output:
h=6 m=6 s=26
